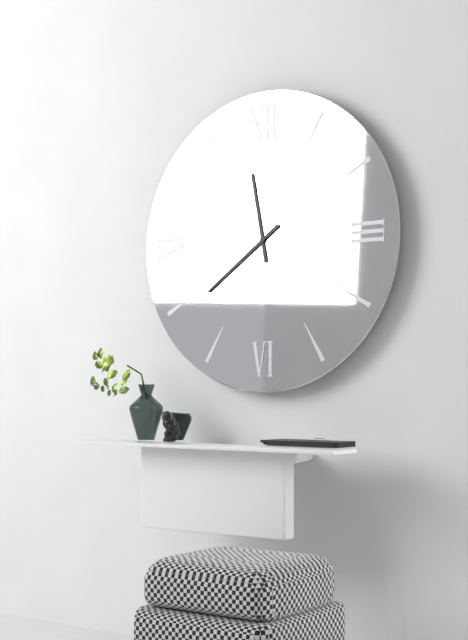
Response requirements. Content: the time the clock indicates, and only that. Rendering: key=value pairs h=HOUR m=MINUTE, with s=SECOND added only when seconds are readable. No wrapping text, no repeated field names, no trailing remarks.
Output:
h=11 m=39
